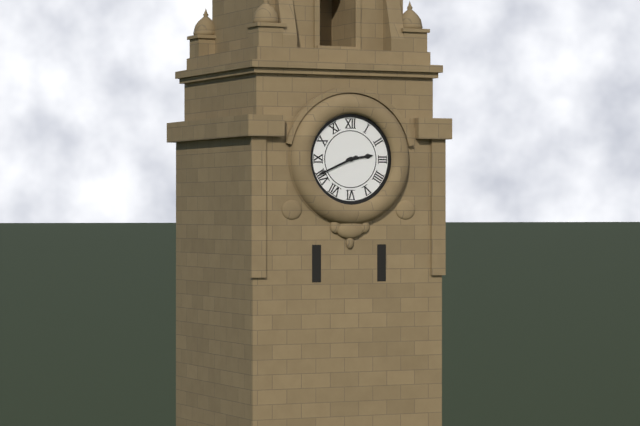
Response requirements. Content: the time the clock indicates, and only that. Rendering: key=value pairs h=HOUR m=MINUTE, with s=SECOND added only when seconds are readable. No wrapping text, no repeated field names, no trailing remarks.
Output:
h=2 m=41
